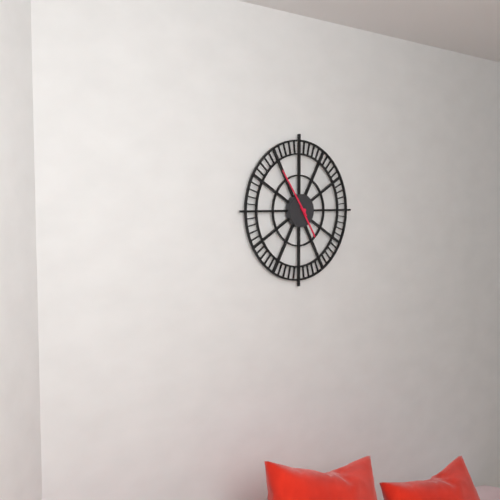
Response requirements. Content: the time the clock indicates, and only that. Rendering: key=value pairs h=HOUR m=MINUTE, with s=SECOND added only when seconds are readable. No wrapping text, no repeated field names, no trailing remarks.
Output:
h=4 m=54
